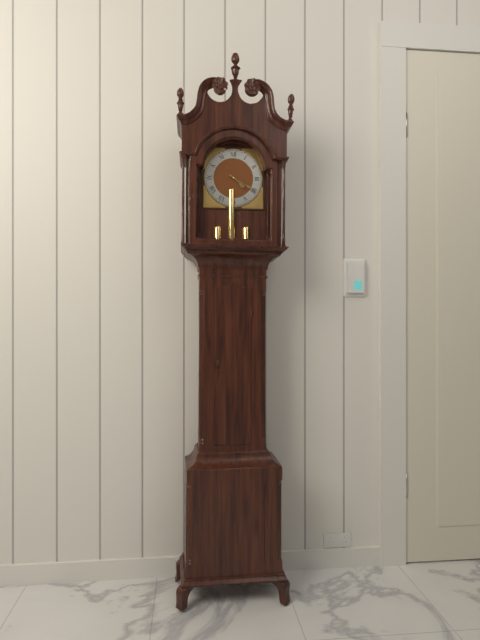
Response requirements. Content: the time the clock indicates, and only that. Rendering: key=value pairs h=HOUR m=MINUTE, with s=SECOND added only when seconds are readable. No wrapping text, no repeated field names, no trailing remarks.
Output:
h=4 m=20
